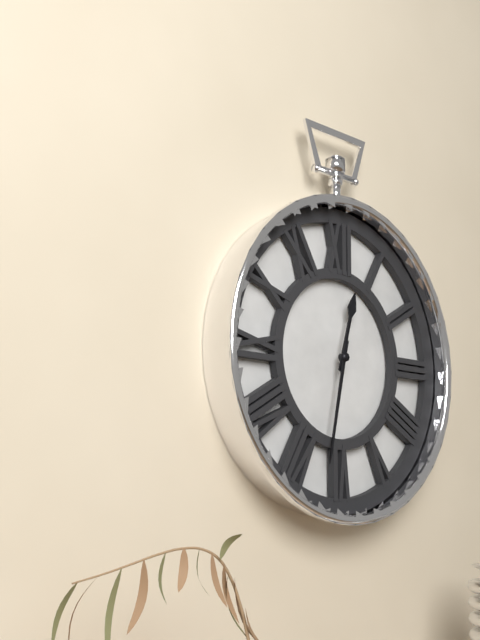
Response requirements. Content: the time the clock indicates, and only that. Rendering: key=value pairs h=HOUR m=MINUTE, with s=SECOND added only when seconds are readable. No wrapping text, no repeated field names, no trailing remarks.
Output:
h=12 m=32
